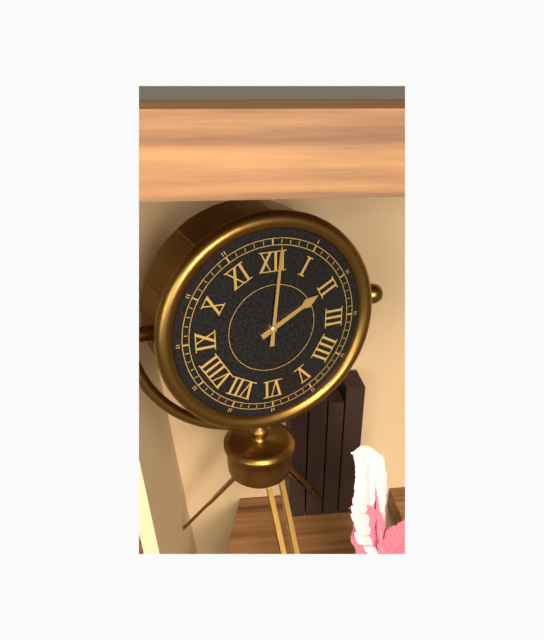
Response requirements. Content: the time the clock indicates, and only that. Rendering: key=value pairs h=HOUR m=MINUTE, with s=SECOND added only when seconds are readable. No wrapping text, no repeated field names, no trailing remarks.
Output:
h=2 m=1
